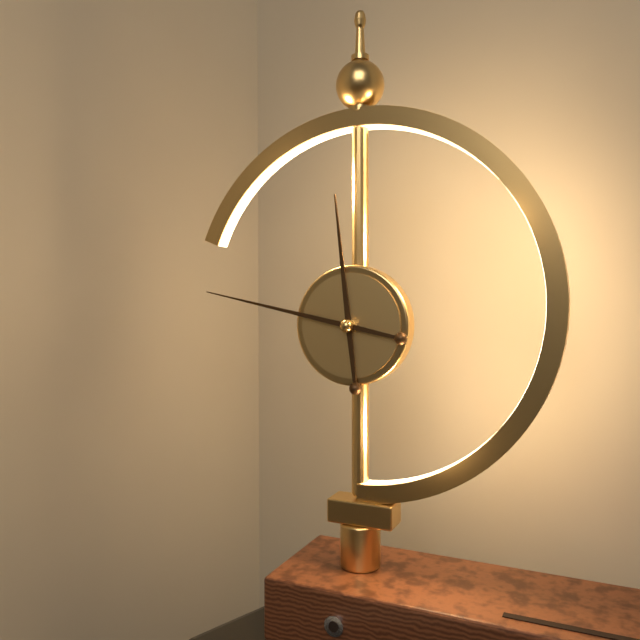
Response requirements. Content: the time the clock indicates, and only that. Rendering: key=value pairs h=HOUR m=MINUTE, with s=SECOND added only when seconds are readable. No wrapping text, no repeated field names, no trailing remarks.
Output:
h=11 m=47
